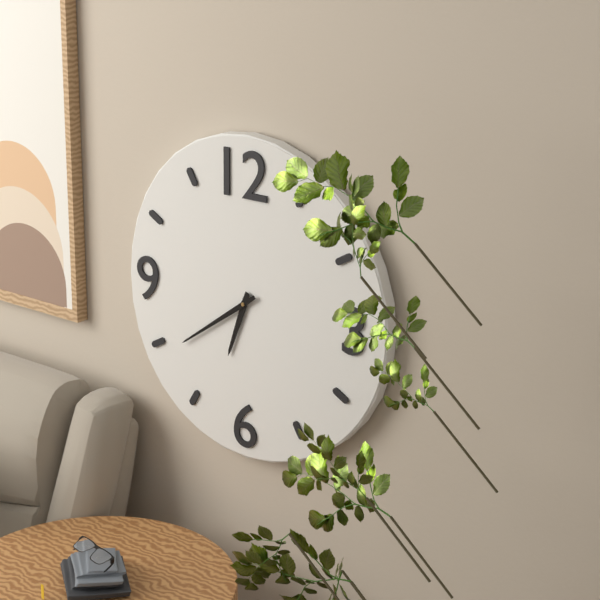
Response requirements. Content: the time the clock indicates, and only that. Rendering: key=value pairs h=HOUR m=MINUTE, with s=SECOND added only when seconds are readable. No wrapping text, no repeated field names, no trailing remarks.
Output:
h=6 m=39
